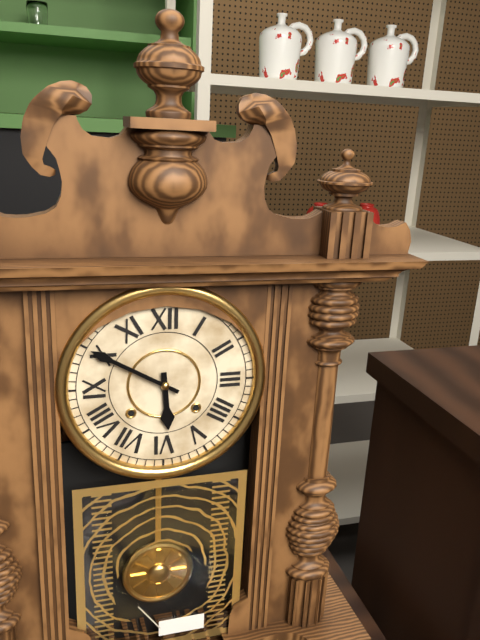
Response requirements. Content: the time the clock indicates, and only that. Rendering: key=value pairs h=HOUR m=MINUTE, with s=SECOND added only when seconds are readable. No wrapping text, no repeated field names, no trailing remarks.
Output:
h=5 m=50
